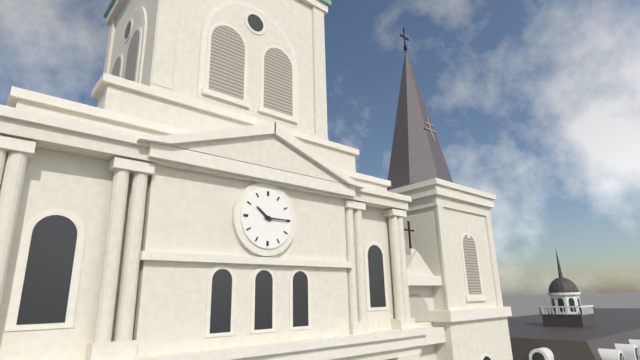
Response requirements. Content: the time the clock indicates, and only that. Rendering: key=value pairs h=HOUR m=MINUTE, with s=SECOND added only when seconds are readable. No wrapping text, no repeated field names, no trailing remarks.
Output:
h=10 m=15
